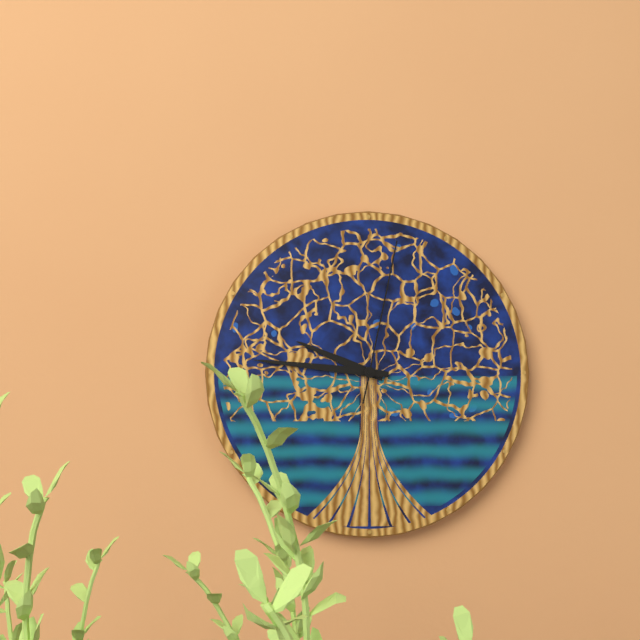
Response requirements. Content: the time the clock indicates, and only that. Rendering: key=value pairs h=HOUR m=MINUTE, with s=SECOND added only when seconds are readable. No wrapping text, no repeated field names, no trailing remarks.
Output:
h=9 m=46 s=2
